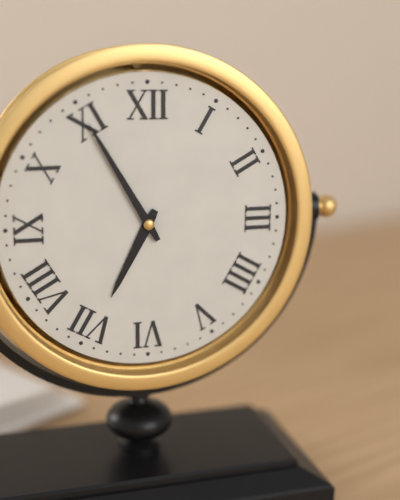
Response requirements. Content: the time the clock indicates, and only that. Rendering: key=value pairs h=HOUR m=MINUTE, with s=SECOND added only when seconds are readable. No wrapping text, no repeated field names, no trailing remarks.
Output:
h=6 m=55
